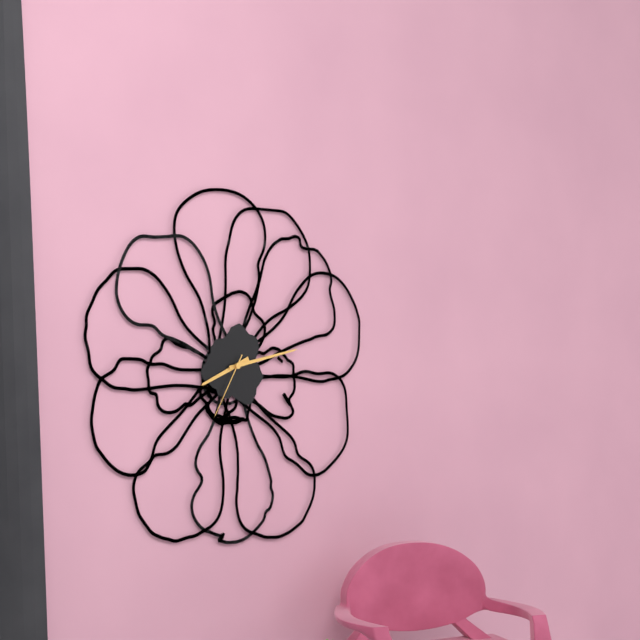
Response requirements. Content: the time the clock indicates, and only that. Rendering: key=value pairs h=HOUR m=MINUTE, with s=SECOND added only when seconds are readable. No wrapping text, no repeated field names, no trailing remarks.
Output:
h=8 m=13 s=35
